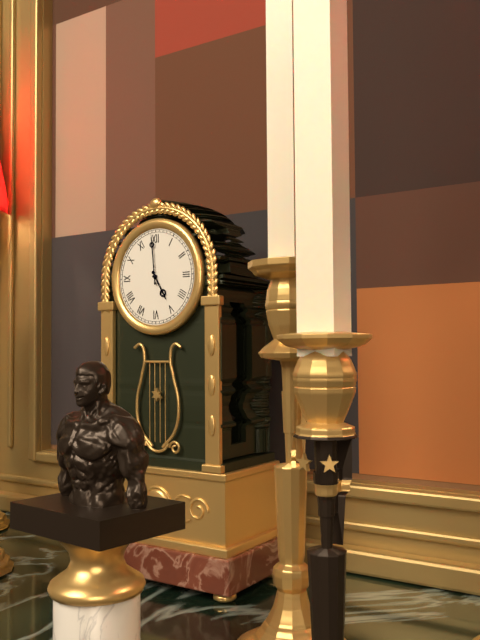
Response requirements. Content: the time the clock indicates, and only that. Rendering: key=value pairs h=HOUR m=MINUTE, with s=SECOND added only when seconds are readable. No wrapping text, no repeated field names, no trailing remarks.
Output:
h=4 m=59
